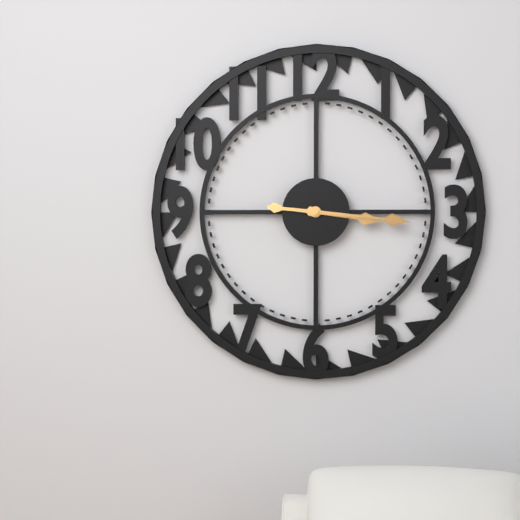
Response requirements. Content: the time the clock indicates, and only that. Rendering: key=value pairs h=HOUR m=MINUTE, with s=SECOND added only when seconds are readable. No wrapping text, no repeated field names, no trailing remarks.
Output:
h=3 m=16
